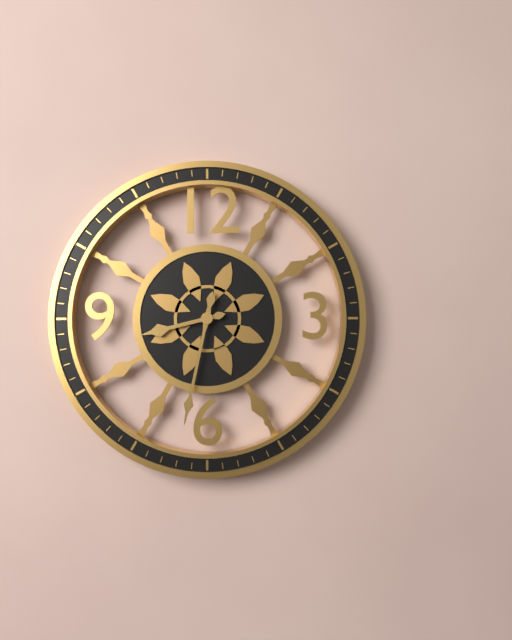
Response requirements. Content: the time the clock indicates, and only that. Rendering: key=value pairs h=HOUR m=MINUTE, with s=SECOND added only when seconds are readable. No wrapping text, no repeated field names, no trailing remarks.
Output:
h=8 m=32
